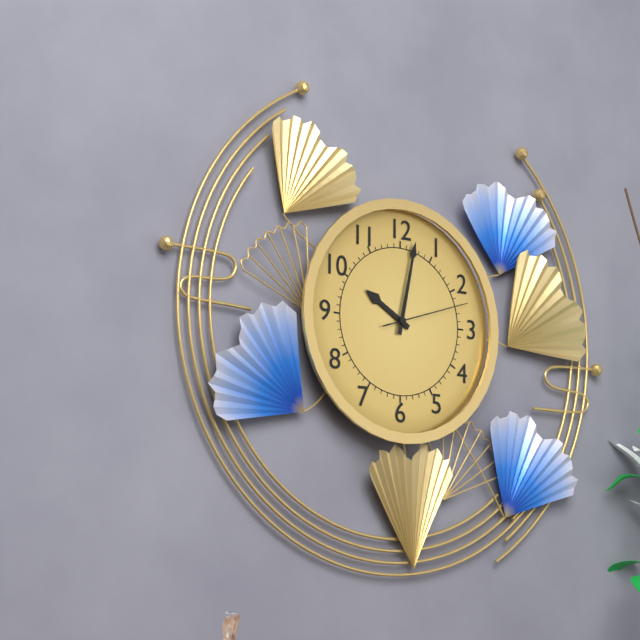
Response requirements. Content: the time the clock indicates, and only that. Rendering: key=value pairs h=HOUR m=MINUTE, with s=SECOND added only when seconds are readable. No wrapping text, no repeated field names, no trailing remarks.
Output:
h=10 m=2 s=12
